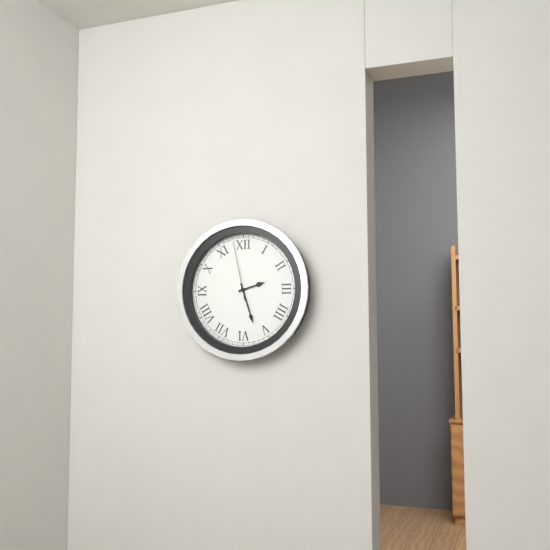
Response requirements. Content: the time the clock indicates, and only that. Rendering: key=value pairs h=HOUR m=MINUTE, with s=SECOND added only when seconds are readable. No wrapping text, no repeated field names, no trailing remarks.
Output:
h=2 m=27 s=58
